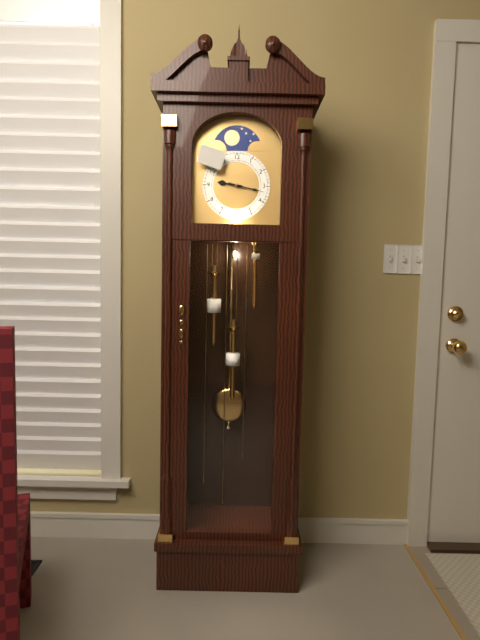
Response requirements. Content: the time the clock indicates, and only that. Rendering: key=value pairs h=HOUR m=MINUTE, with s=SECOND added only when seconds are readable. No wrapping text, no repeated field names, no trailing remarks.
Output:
h=9 m=17
